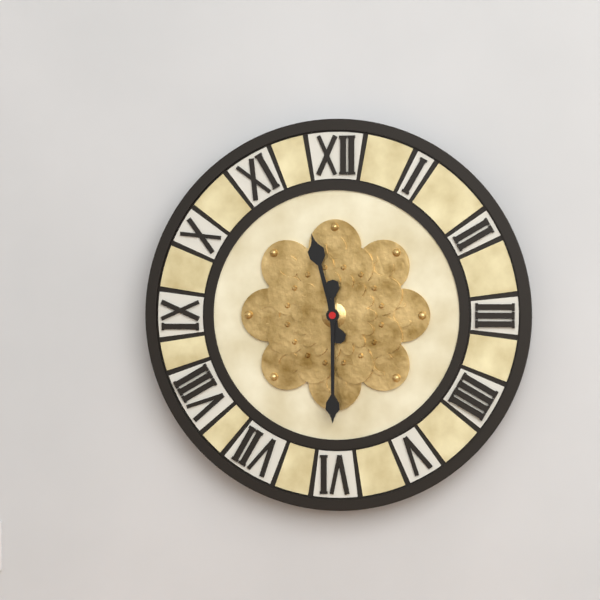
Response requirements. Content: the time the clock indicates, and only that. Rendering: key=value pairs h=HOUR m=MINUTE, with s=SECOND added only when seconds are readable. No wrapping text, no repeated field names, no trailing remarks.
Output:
h=11 m=30
